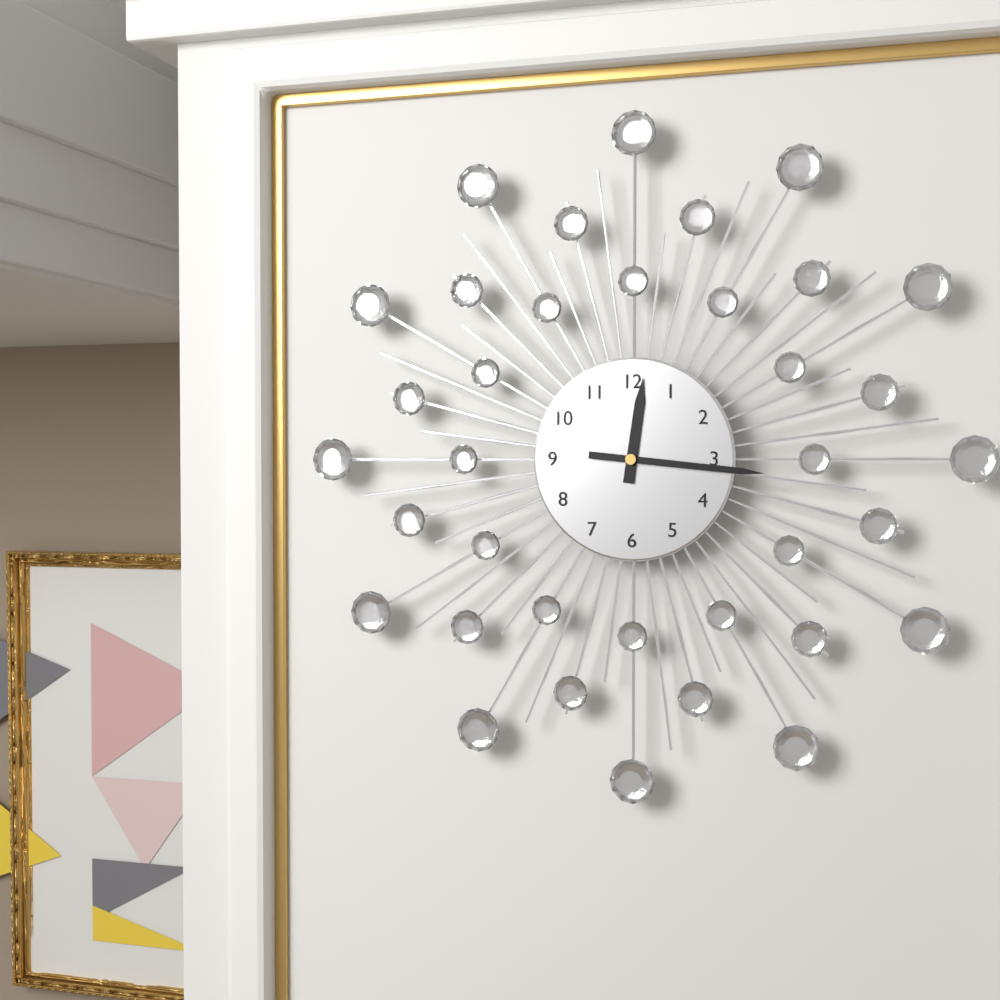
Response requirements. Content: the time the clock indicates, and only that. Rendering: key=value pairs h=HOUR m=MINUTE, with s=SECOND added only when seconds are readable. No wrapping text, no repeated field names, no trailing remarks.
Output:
h=12 m=16
